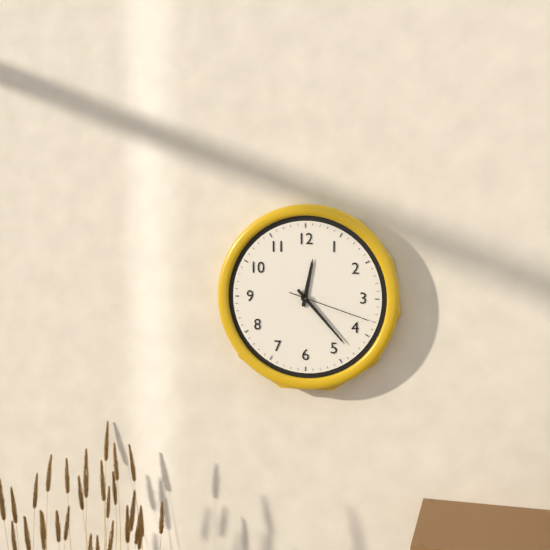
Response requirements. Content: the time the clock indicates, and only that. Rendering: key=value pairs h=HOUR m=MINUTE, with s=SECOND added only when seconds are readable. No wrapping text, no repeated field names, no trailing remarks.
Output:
h=12 m=23 s=18
